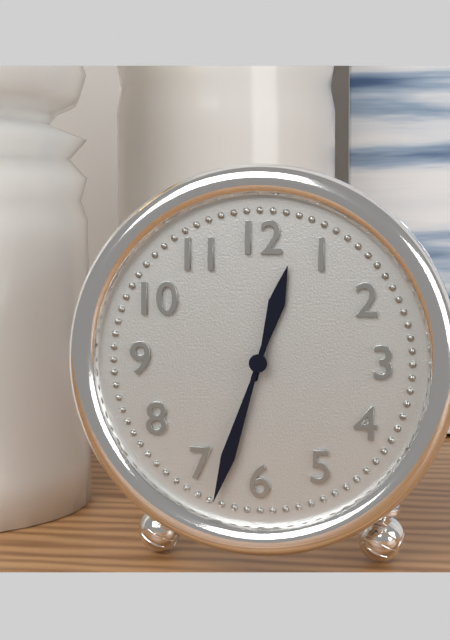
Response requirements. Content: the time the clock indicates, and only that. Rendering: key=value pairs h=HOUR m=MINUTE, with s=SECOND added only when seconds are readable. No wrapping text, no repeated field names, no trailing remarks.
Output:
h=12 m=33
